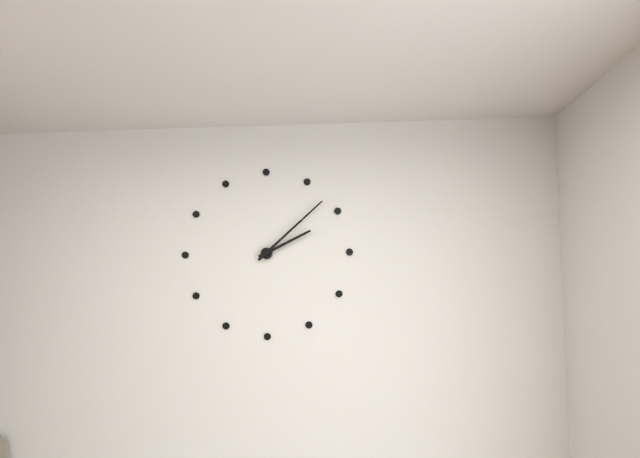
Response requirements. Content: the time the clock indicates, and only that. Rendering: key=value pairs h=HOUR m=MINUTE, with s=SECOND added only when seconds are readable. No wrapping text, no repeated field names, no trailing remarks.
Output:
h=2 m=8
